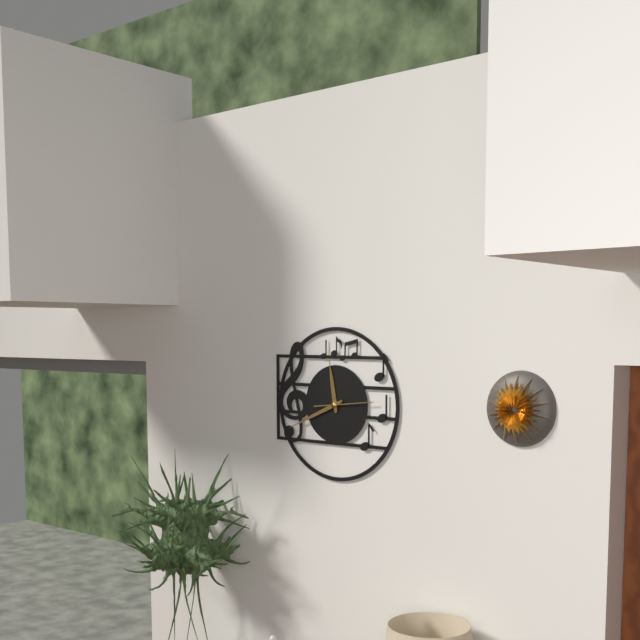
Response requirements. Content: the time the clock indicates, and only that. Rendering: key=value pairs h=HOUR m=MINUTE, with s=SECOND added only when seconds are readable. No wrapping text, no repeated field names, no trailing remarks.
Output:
h=11 m=41
